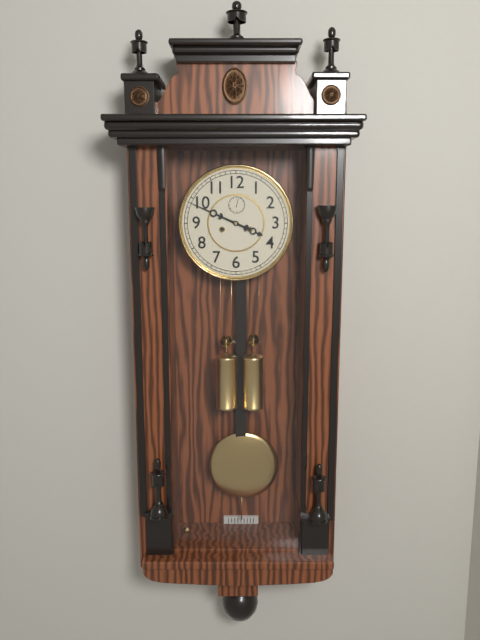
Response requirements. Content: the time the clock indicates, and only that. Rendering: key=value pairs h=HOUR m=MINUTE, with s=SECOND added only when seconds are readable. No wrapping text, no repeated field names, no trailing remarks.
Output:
h=3 m=49
